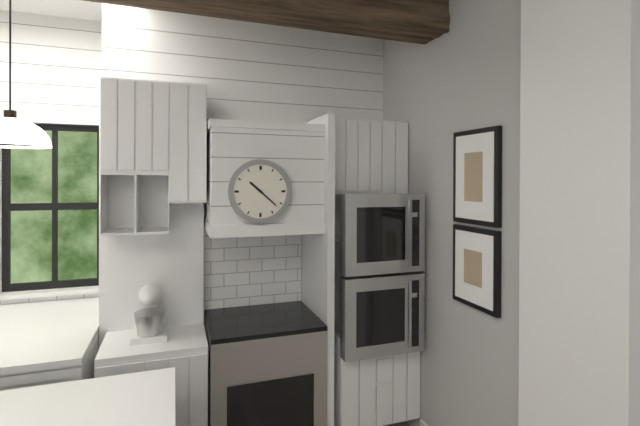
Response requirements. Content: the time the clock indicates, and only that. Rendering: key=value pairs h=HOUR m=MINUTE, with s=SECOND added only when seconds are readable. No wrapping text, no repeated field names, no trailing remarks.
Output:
h=10 m=22
